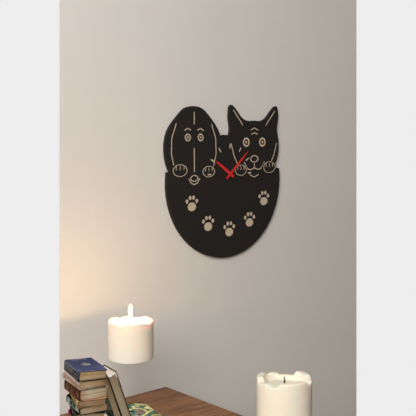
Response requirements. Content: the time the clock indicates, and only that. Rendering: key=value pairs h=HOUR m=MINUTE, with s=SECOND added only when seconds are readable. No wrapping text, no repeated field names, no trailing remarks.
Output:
h=10 m=8
